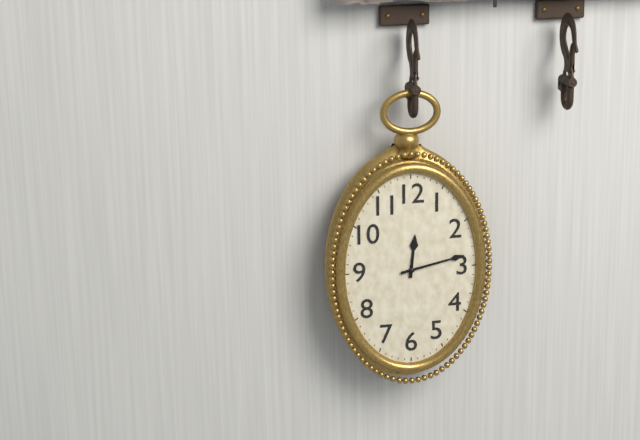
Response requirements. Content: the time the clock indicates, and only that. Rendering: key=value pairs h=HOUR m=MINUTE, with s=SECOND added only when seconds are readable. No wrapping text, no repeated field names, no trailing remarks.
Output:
h=12 m=13
